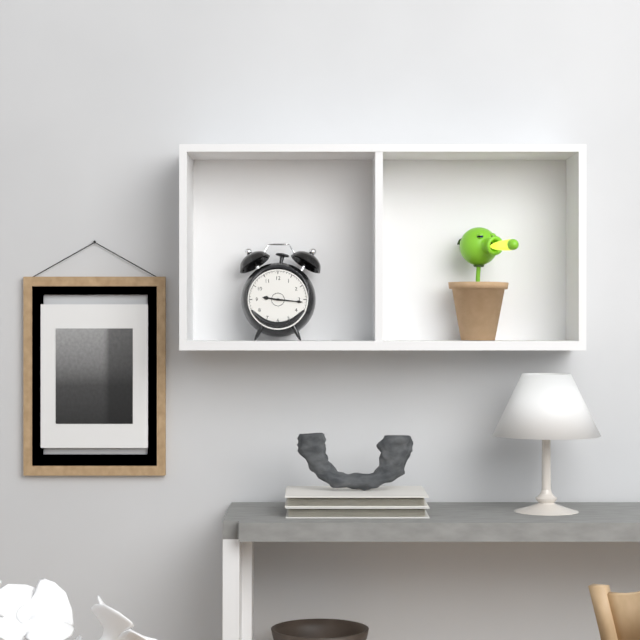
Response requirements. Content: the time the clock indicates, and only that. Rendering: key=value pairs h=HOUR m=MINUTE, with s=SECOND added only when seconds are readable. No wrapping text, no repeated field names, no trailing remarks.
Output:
h=9 m=16
